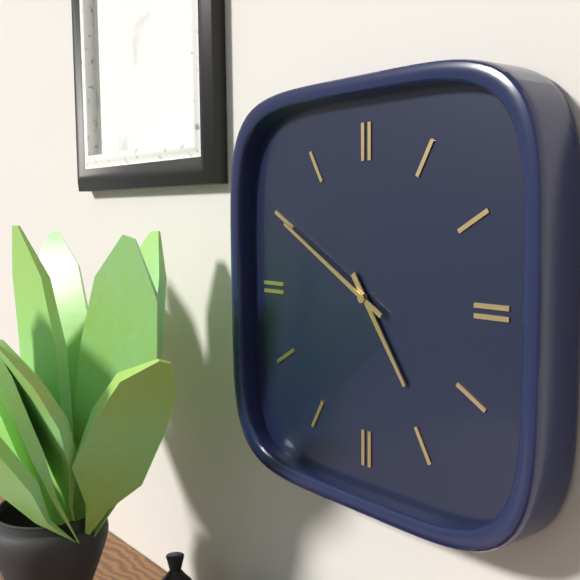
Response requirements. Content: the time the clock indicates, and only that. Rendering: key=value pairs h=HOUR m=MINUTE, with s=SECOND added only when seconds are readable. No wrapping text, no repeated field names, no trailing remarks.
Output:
h=4 m=50
